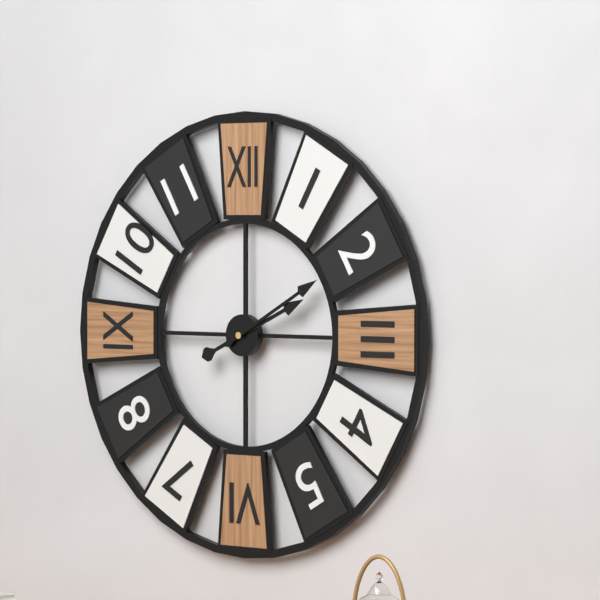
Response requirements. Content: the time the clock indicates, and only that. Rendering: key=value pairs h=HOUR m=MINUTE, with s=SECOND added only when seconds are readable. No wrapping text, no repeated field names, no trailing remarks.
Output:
h=2 m=10
